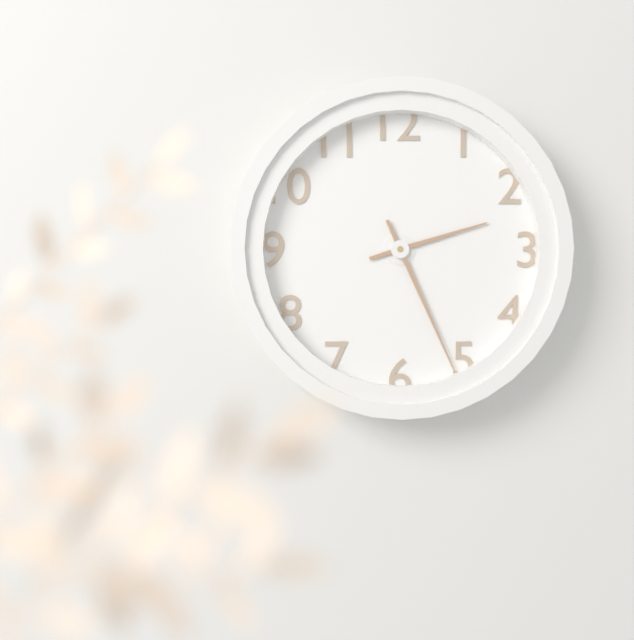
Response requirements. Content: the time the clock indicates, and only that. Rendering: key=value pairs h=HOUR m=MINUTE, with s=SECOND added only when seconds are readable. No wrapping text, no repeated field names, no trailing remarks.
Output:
h=2 m=26
